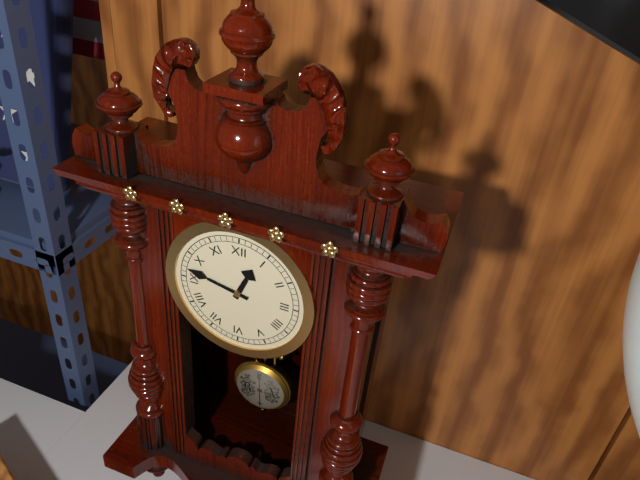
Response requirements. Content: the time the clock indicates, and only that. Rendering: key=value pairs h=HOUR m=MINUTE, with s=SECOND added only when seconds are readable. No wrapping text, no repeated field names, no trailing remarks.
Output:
h=12 m=47
